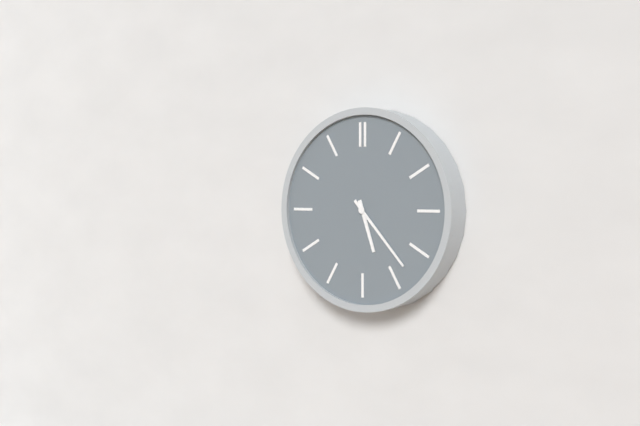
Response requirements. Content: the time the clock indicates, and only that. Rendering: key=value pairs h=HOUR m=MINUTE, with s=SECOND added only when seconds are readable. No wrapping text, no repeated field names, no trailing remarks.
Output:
h=5 m=23
